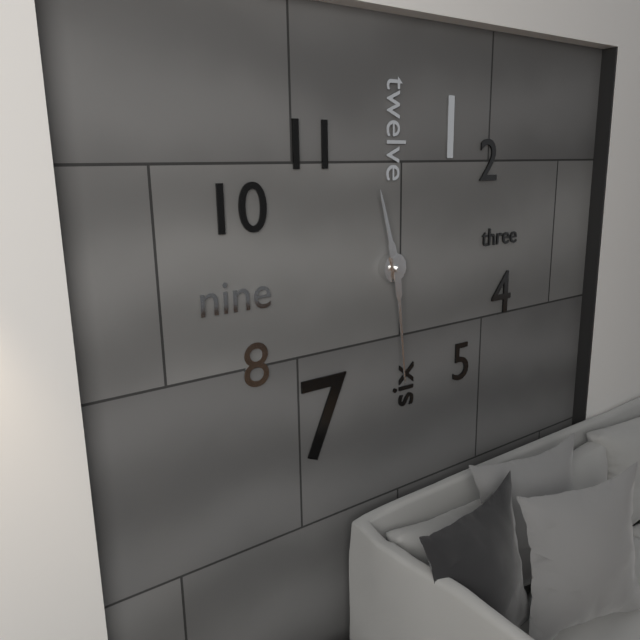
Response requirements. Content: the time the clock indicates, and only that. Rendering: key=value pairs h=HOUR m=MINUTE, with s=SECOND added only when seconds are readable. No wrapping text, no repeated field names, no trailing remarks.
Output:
h=11 m=29
